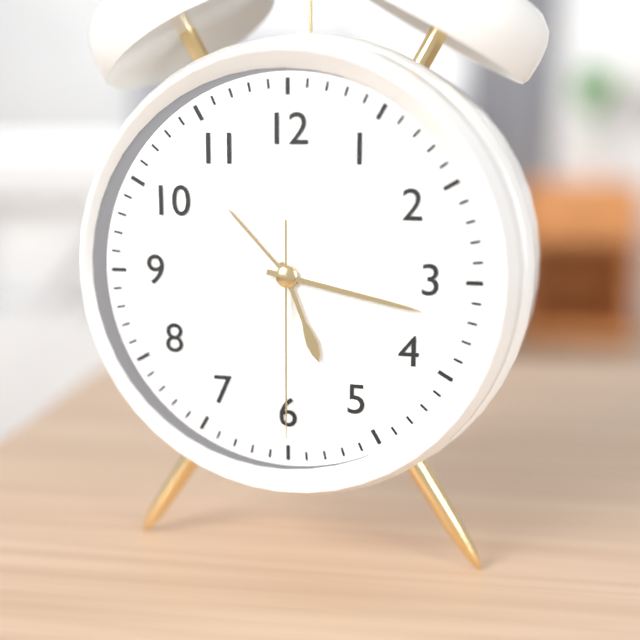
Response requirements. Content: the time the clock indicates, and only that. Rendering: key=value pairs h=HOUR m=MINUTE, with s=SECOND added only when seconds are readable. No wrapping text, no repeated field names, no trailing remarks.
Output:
h=5 m=17 s=30
